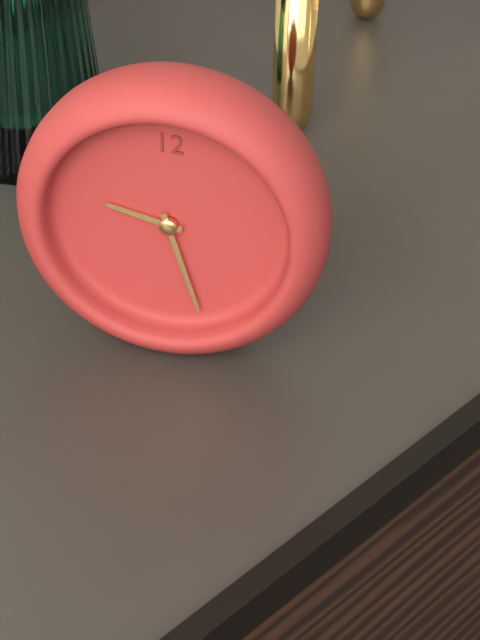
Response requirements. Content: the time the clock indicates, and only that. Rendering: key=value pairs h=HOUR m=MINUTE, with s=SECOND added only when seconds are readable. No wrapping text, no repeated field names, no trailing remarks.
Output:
h=9 m=27
